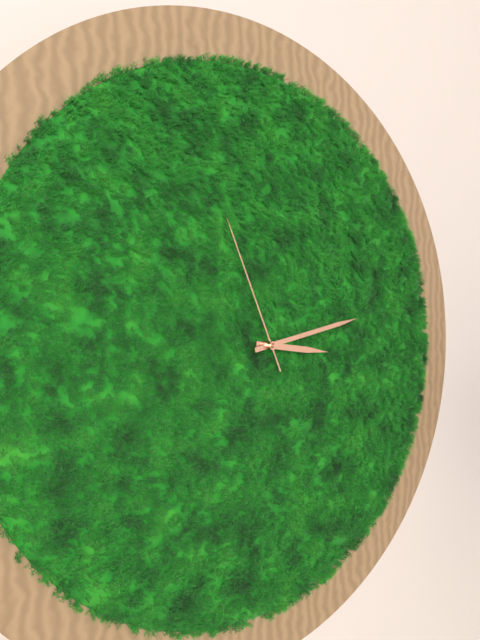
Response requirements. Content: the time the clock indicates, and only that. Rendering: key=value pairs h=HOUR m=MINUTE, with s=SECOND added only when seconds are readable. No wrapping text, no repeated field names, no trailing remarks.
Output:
h=3 m=13 s=56
